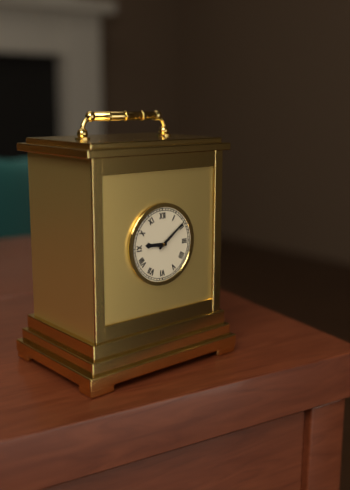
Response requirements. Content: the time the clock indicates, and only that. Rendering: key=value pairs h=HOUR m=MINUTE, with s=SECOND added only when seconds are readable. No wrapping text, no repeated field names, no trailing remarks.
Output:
h=9 m=9
